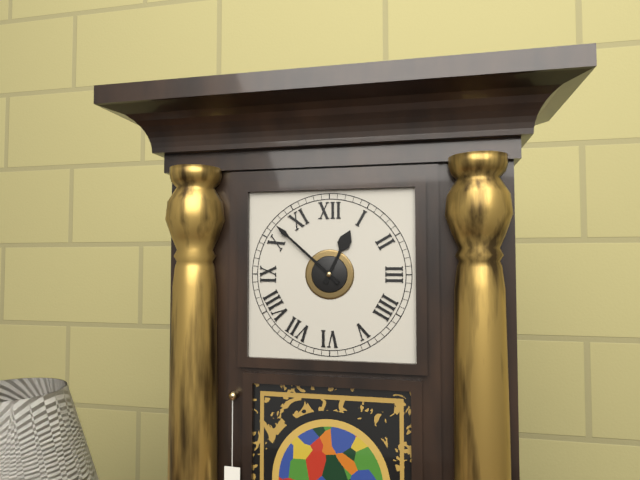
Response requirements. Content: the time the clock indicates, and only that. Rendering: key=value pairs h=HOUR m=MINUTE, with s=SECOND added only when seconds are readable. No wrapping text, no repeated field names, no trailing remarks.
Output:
h=12 m=52
